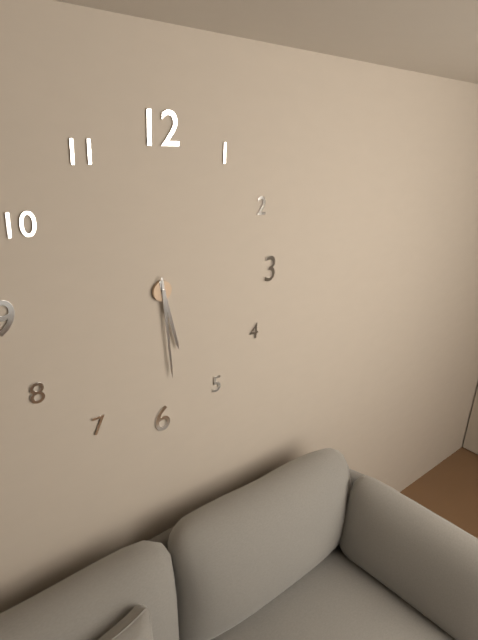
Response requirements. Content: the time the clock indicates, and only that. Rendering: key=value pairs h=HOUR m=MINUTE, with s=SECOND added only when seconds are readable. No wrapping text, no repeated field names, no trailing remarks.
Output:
h=5 m=29
